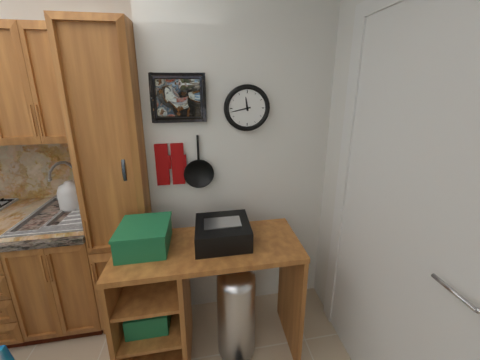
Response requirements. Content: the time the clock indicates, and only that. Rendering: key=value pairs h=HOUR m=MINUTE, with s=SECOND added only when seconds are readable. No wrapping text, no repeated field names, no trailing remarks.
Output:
h=11 m=43
